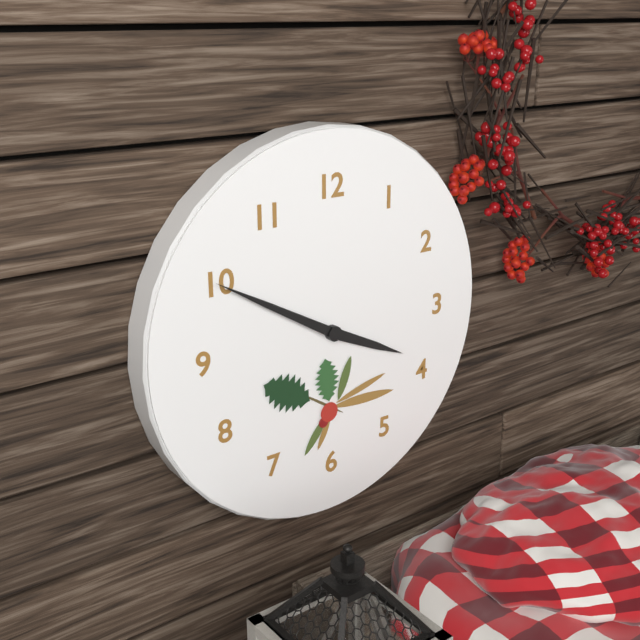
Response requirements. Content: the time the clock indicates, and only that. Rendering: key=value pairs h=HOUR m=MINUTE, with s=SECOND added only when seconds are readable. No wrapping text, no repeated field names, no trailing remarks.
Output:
h=3 m=50
